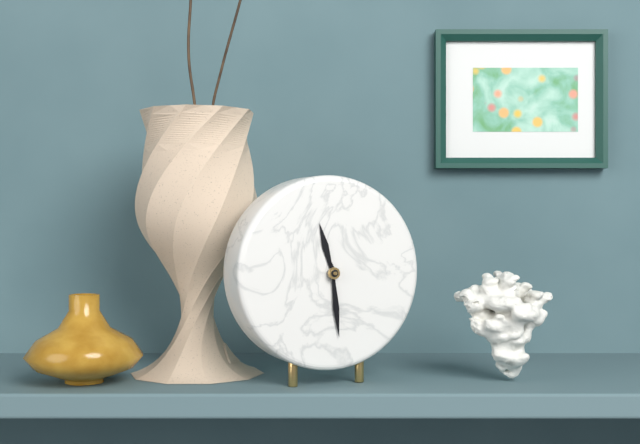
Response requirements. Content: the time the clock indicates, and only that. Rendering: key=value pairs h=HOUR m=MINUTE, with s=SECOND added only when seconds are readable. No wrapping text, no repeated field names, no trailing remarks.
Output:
h=11 m=29
